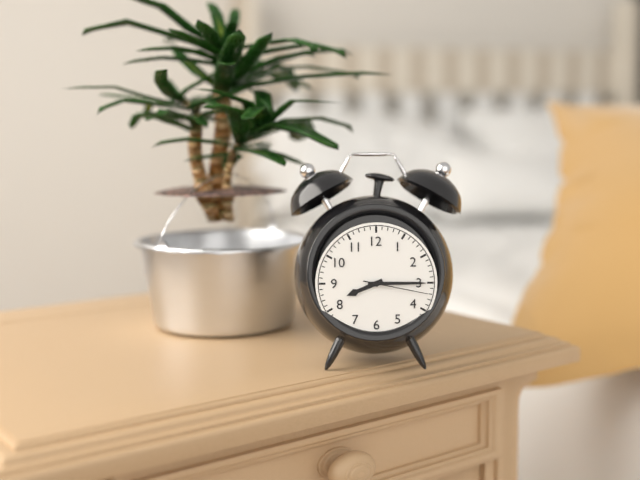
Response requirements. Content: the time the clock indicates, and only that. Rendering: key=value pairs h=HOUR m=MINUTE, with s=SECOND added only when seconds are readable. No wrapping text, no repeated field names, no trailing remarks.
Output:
h=8 m=15 s=17
